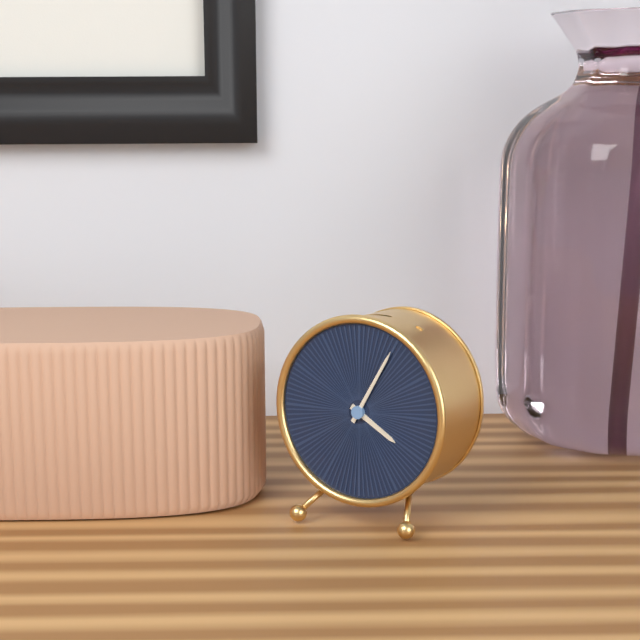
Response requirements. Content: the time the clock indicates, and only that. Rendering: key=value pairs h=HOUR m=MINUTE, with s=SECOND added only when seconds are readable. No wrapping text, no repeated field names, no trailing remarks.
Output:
h=4 m=5
